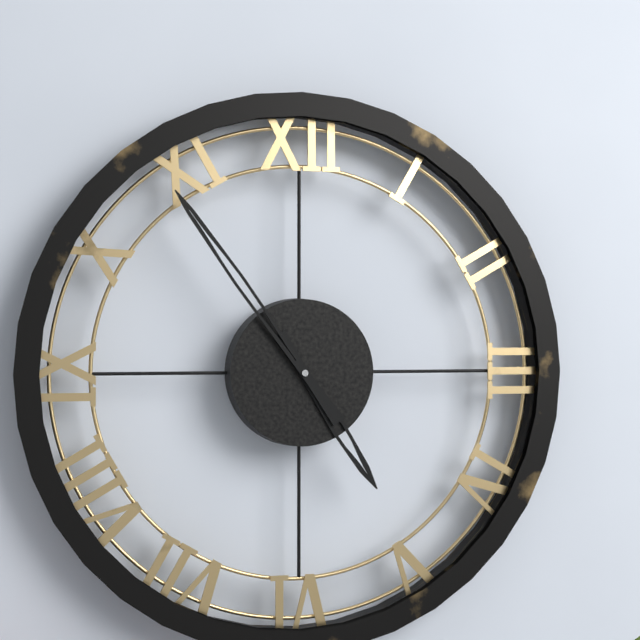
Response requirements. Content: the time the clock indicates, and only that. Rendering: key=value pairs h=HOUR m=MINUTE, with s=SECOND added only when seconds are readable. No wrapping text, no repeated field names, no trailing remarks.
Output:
h=4 m=54
